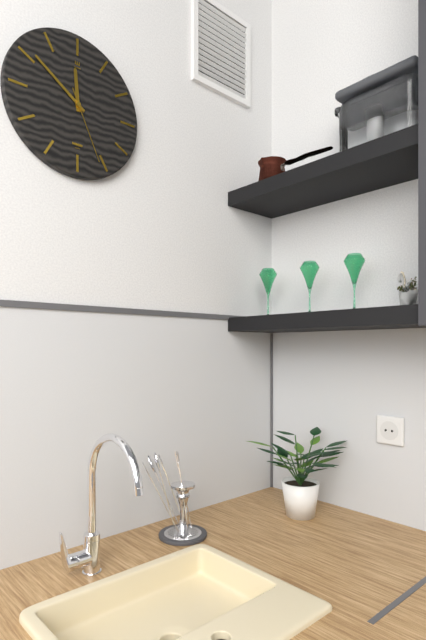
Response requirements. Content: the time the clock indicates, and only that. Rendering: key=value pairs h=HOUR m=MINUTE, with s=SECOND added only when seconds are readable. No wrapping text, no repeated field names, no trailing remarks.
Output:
h=11 m=51 s=26
